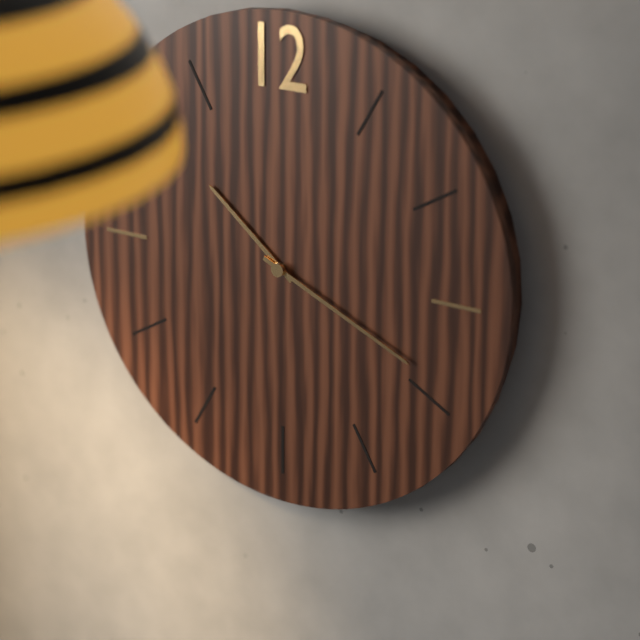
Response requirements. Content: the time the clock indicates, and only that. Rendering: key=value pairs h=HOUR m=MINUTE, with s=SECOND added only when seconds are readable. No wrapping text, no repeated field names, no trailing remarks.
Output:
h=10 m=19
